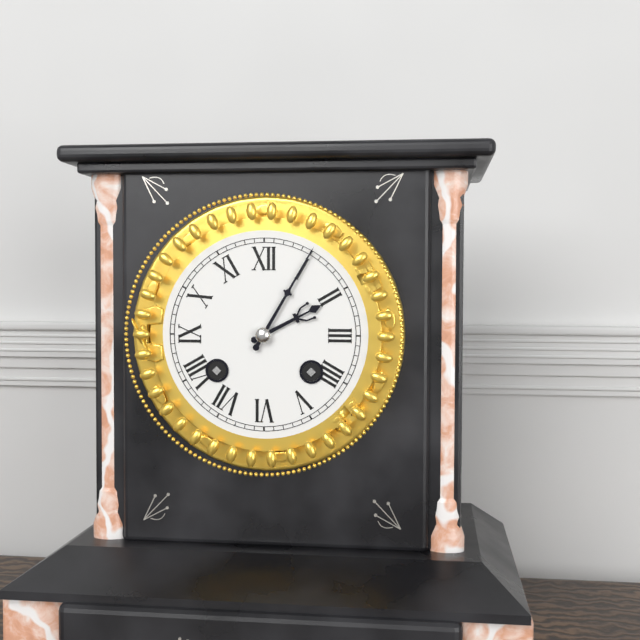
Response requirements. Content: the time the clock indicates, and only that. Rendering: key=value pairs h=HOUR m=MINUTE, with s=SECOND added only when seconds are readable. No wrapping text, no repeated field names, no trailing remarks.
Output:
h=2 m=5
